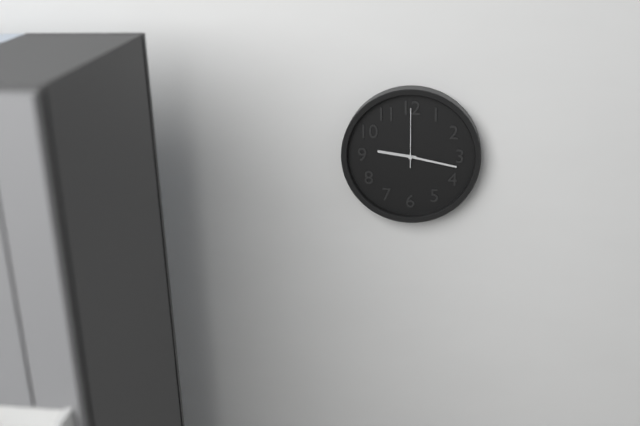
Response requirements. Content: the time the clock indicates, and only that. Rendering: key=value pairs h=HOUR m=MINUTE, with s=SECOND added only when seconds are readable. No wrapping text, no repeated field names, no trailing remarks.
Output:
h=9 m=17 s=0
